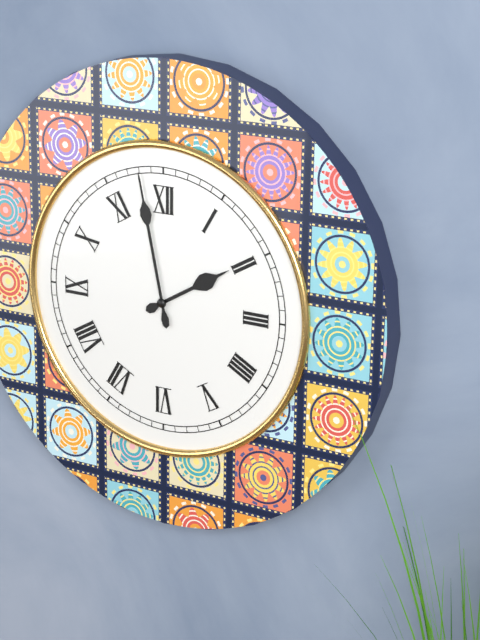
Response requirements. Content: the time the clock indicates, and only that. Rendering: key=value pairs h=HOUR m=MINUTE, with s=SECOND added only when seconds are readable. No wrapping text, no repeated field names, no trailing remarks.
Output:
h=1 m=58
